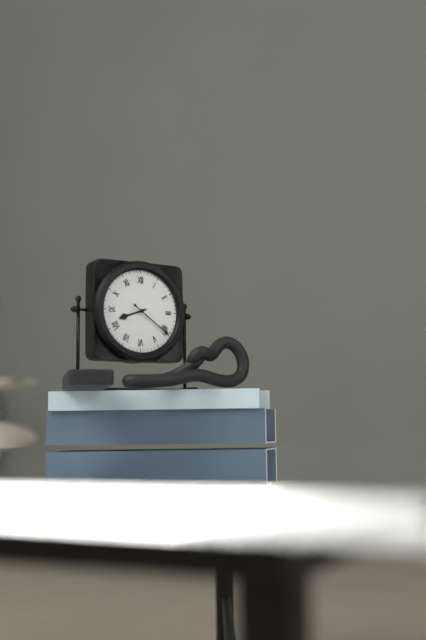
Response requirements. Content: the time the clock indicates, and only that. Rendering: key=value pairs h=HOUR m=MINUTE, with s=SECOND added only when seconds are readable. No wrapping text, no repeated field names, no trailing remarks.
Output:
h=8 m=21
